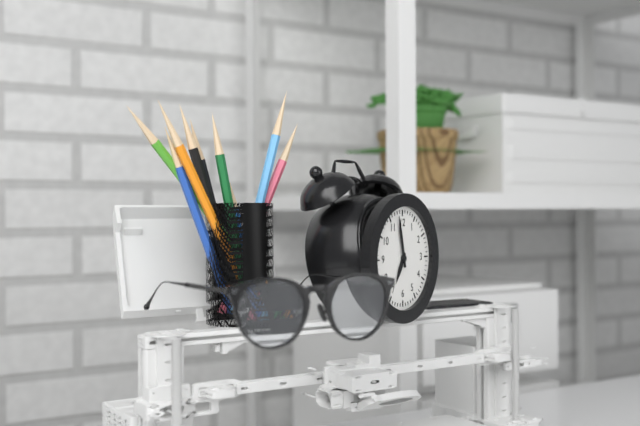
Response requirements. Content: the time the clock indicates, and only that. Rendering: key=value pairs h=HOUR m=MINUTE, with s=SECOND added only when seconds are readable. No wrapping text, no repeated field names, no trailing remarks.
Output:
h=6 m=58
